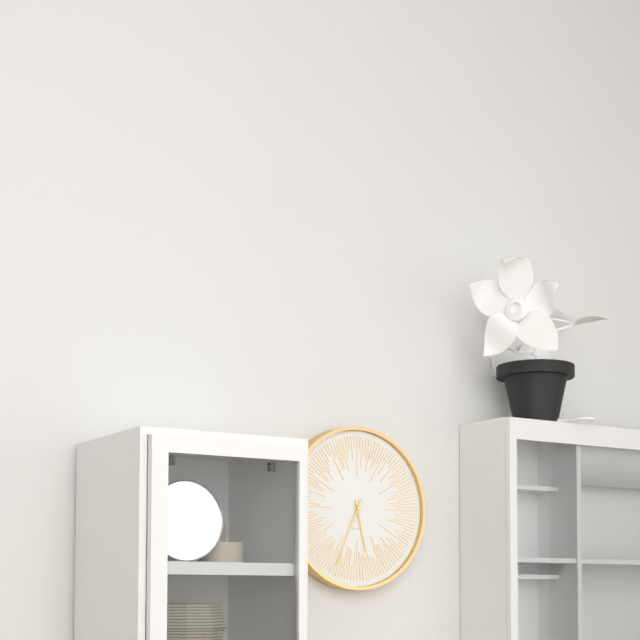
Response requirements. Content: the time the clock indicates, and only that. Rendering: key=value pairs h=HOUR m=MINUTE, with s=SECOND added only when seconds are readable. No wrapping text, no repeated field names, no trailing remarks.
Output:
h=5 m=34
